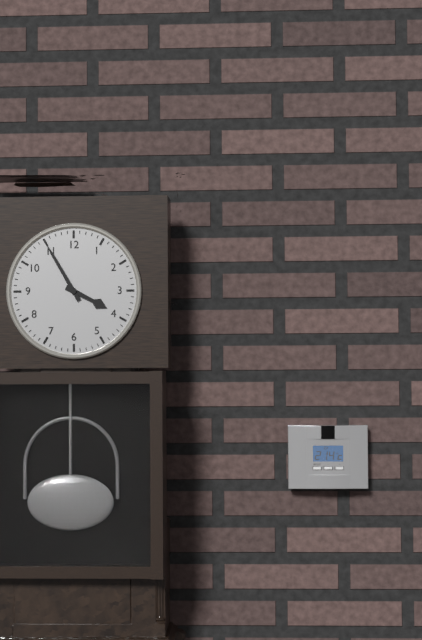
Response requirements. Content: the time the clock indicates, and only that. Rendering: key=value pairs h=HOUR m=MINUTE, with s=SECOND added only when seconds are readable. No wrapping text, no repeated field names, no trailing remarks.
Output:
h=3 m=55
